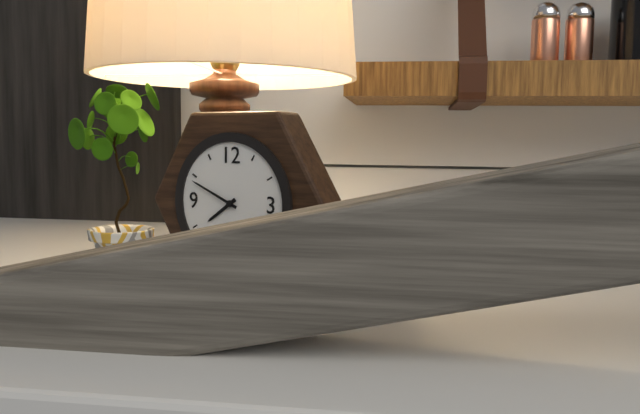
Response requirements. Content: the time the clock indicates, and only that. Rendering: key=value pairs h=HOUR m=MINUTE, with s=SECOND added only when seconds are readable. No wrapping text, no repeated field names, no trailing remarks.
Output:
h=7 m=49
